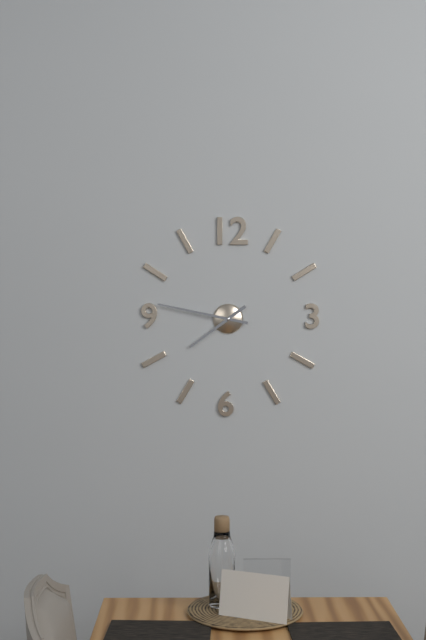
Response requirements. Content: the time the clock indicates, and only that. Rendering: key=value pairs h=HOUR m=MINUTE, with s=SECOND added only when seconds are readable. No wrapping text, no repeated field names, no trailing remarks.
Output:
h=7 m=47
